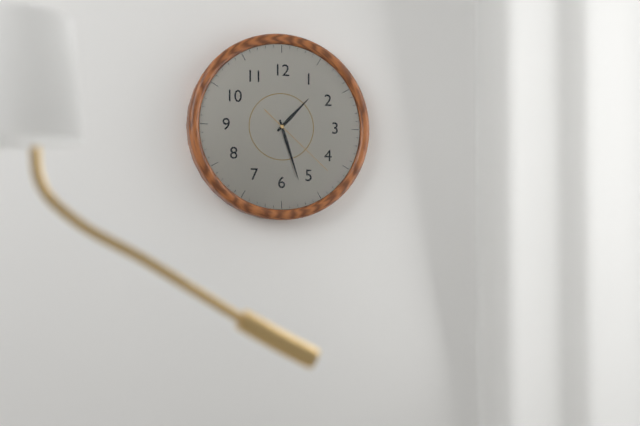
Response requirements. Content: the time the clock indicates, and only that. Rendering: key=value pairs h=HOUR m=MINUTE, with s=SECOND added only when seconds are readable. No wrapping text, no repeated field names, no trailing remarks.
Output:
h=1 m=27 s=22
